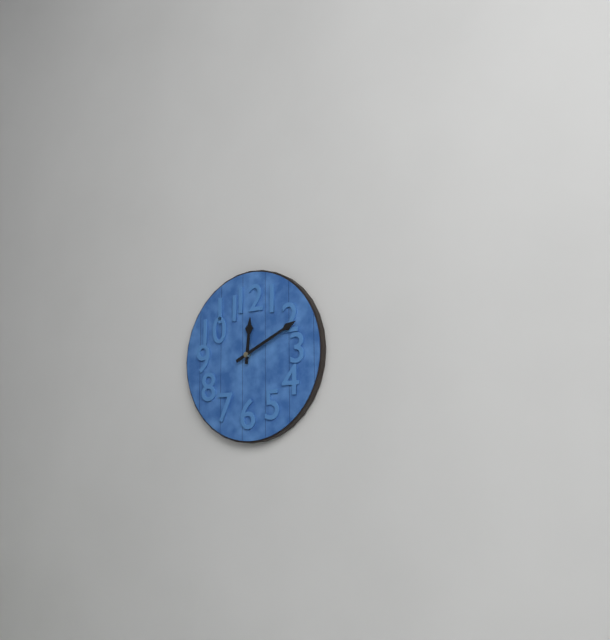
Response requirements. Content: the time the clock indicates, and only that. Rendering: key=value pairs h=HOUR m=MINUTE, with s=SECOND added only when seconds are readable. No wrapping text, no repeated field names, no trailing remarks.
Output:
h=12 m=11
